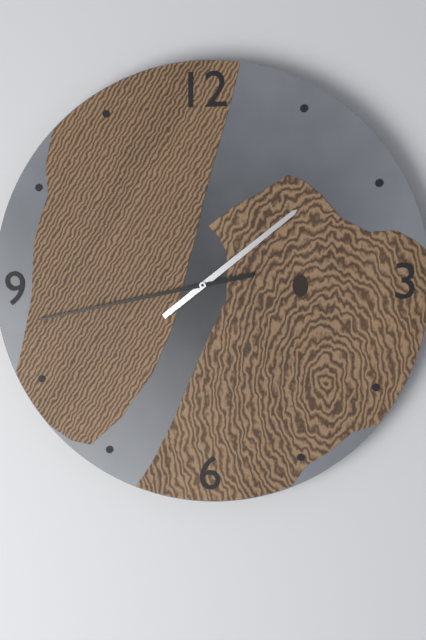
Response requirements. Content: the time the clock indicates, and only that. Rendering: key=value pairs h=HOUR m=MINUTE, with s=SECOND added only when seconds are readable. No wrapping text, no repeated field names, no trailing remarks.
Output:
h=1 m=43
